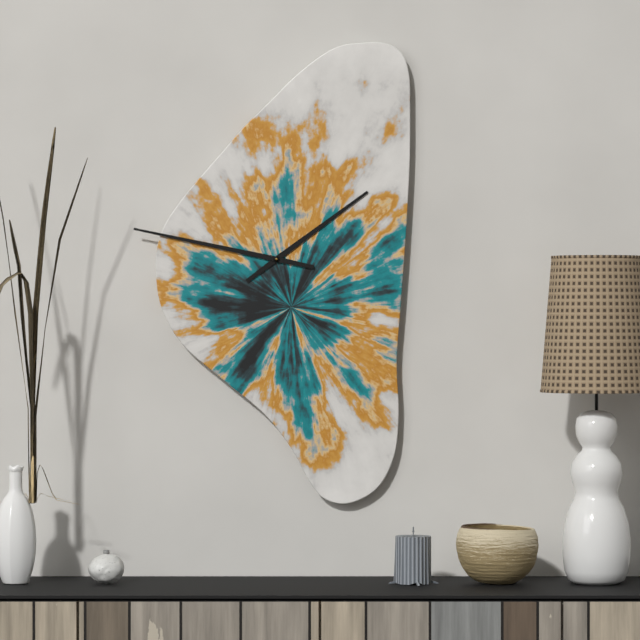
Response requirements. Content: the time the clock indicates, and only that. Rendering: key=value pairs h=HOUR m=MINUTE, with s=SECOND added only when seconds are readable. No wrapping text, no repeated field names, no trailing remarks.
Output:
h=1 m=47
